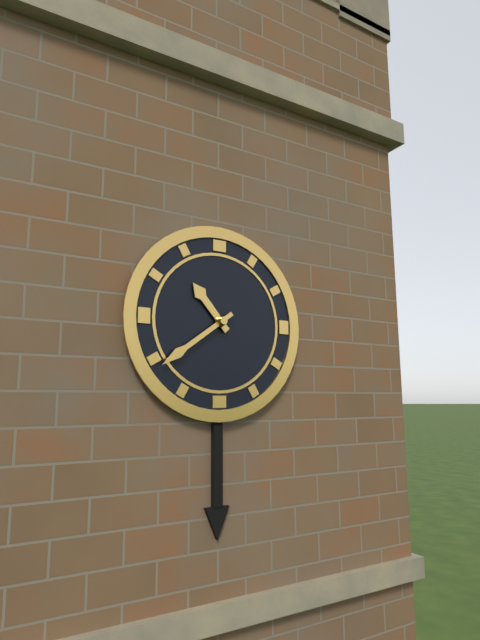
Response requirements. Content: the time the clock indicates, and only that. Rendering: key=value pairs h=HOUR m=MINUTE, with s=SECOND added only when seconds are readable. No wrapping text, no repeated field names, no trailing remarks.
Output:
h=10 m=39
